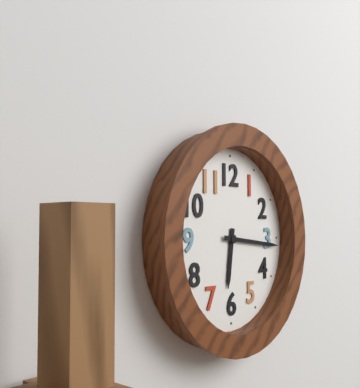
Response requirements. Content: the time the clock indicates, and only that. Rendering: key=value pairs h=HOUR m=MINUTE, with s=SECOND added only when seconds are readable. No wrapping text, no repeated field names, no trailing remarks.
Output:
h=6 m=16
